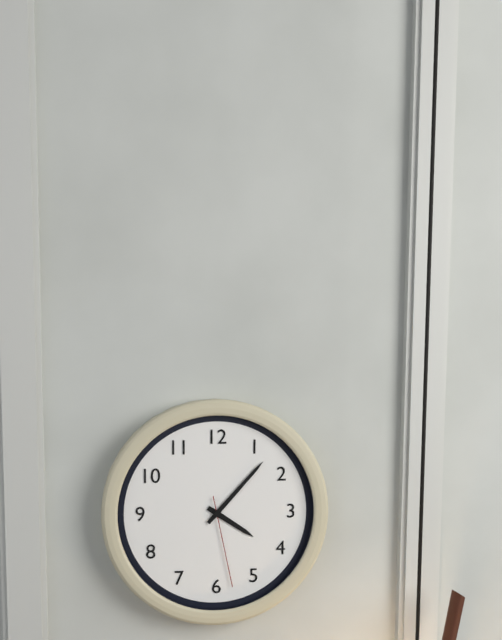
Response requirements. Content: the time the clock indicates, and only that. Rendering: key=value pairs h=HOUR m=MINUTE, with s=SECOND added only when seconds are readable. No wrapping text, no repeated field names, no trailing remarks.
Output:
h=4 m=7 s=28
